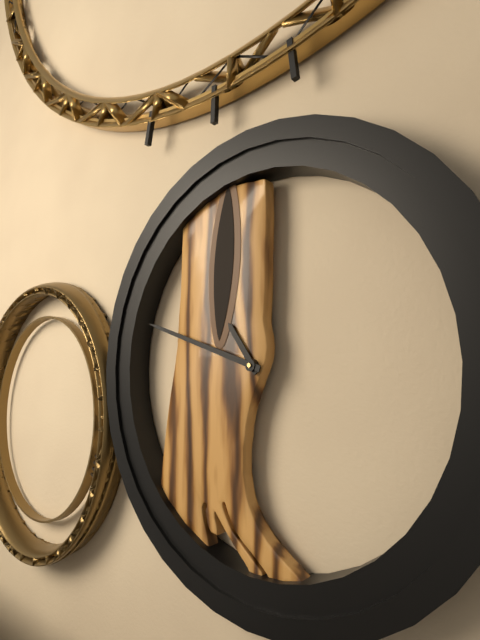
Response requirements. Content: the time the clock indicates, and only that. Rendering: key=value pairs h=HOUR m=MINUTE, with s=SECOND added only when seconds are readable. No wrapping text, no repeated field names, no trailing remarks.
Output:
h=10 m=48
